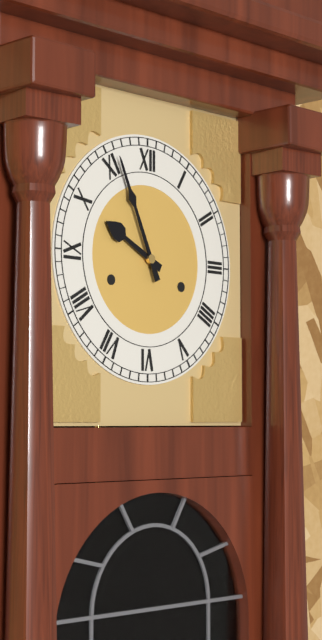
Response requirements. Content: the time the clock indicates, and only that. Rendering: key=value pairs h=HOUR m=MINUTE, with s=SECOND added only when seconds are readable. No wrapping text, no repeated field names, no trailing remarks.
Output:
h=9 m=56
